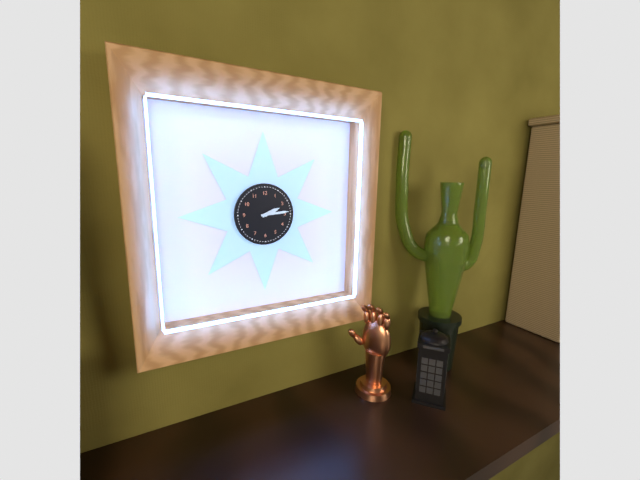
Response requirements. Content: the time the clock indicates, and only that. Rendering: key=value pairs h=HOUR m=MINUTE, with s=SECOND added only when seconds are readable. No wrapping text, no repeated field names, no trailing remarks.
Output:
h=2 m=14
